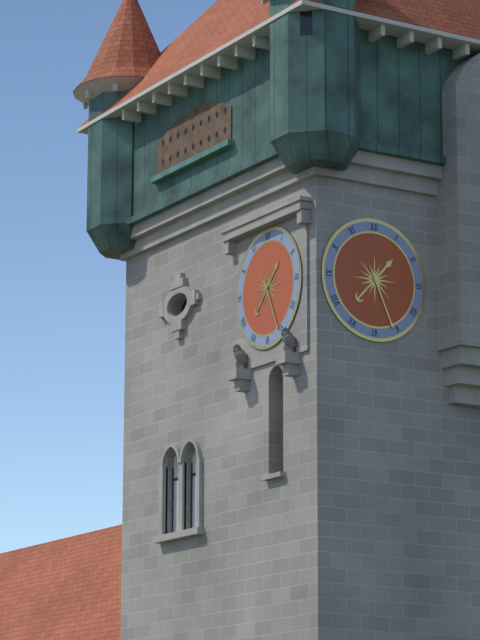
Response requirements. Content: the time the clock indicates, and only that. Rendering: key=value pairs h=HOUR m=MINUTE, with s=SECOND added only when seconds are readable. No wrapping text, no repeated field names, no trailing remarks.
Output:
h=1 m=26
